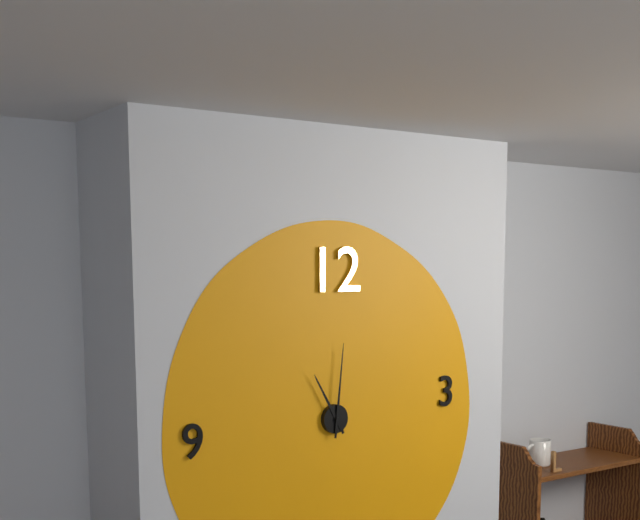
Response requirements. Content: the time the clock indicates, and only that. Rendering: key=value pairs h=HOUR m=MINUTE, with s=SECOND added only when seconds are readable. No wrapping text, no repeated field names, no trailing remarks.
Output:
h=11 m=1
